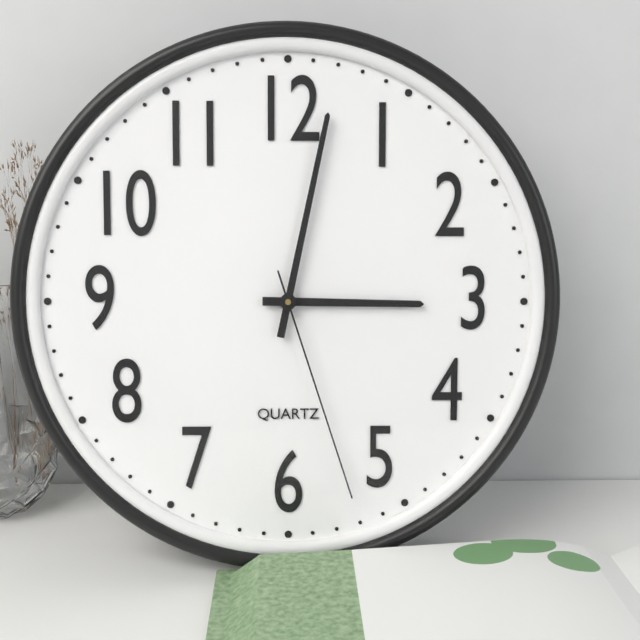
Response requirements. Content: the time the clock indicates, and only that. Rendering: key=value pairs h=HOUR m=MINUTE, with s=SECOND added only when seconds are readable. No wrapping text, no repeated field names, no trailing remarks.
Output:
h=3 m=2 s=27
